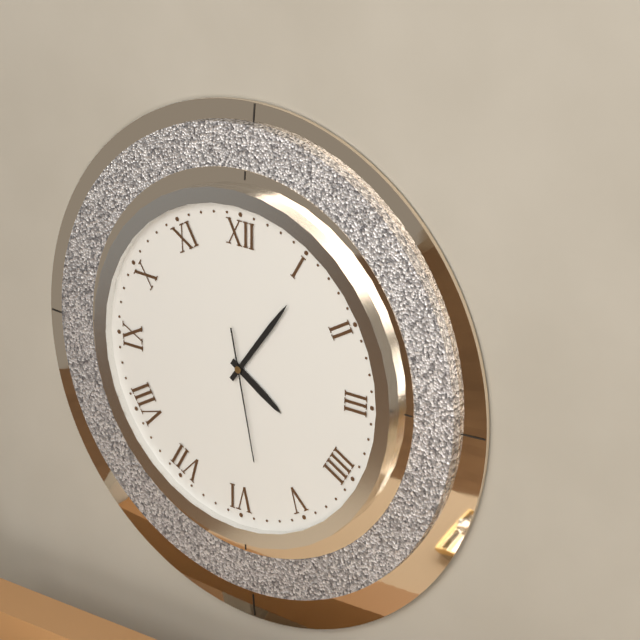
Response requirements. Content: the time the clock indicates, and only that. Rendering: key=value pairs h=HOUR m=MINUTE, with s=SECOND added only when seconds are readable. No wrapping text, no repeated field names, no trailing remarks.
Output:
h=4 m=6 s=28
